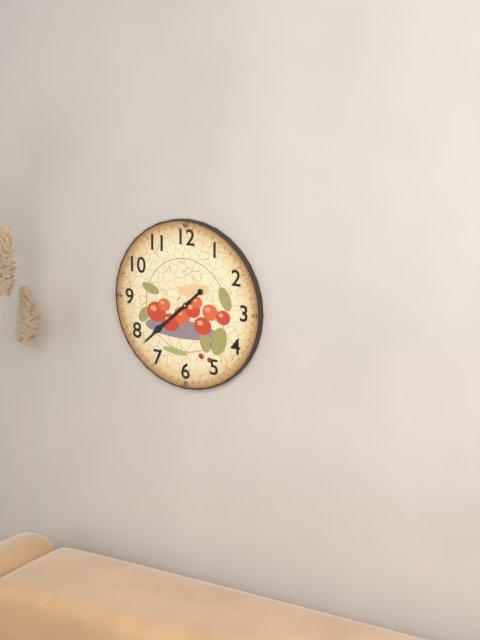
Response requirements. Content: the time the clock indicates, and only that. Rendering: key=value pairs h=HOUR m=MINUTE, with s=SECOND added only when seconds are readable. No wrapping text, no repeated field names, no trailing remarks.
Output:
h=7 m=38
